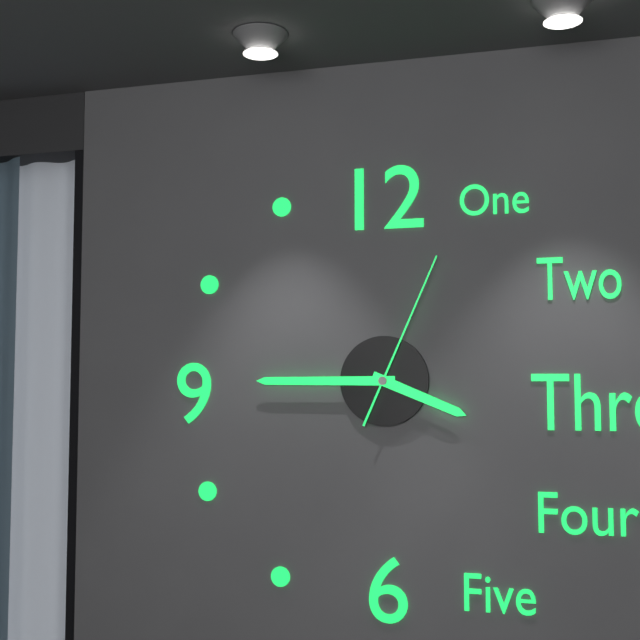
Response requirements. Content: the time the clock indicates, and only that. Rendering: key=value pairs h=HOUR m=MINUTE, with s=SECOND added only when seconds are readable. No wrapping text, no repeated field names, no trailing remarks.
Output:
h=3 m=45 s=4
